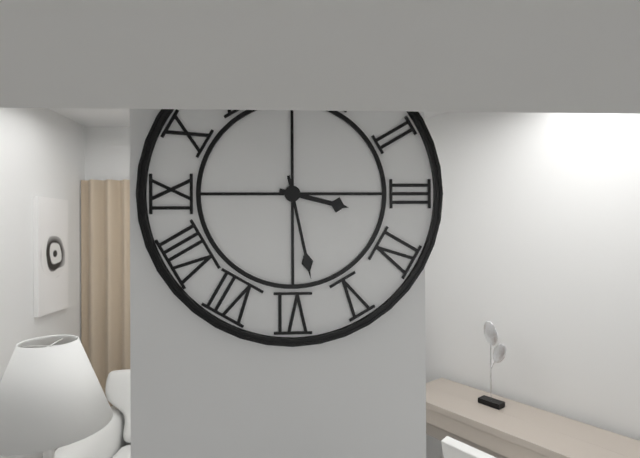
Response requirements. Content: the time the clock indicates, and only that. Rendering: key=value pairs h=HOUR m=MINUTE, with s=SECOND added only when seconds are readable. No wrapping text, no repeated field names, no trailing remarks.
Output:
h=3 m=28
